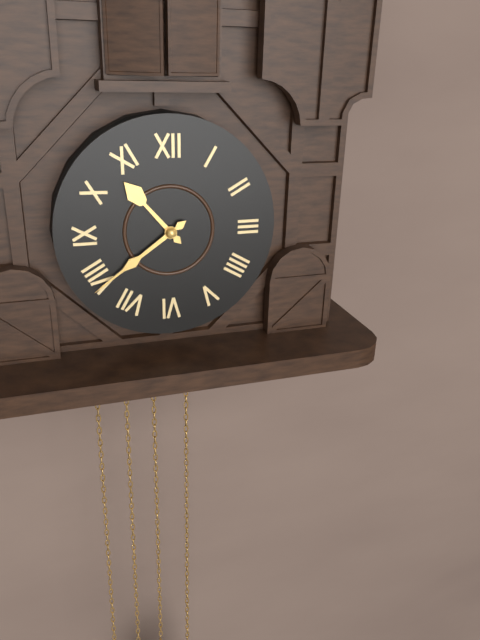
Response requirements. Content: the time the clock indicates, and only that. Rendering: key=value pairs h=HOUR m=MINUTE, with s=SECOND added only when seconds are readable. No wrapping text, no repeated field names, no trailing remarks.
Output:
h=10 m=39
